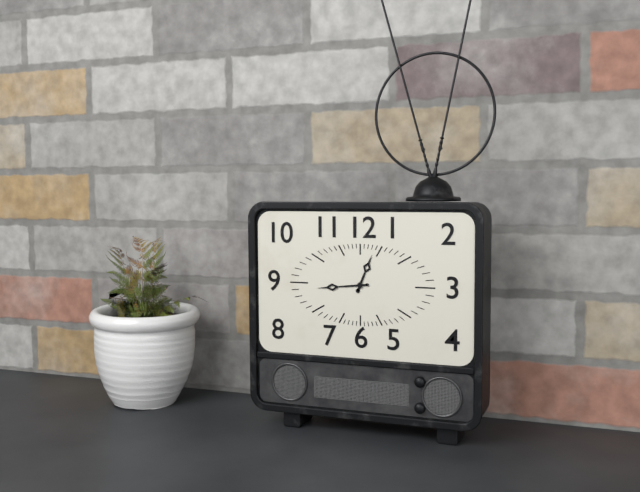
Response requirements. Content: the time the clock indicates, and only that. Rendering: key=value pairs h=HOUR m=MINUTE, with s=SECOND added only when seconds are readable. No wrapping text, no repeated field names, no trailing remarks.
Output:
h=12 m=44
